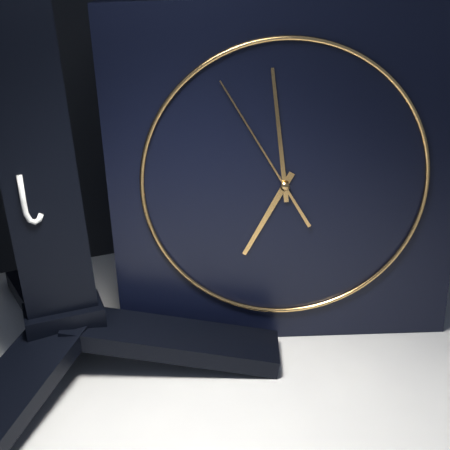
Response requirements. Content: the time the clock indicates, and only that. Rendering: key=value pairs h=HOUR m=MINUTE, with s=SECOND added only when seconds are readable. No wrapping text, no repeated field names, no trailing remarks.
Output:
h=6 m=59 s=55
